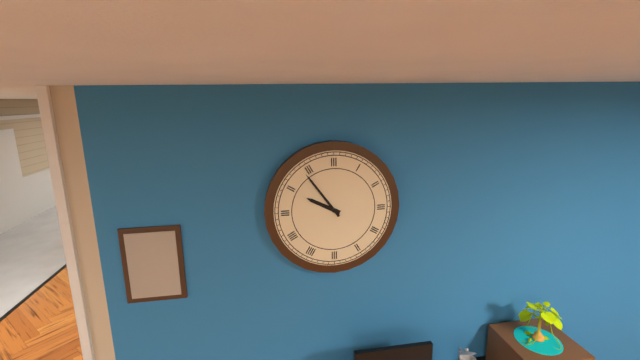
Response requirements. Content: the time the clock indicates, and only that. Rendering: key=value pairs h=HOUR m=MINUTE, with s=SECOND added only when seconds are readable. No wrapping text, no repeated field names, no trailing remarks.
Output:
h=9 m=54
